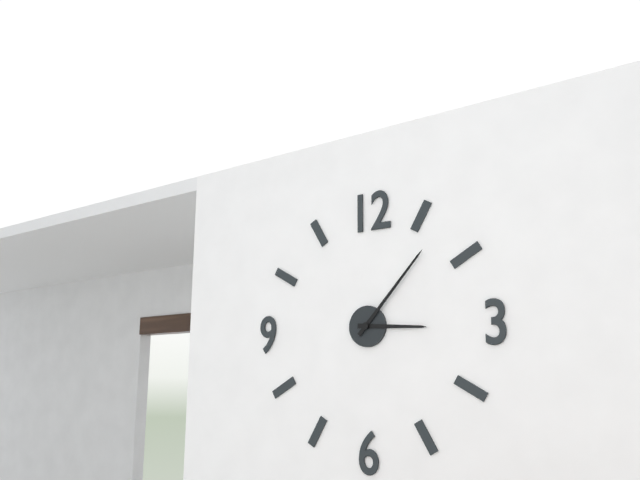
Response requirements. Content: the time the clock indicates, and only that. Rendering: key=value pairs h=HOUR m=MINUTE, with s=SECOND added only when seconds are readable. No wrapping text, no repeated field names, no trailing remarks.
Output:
h=3 m=7
